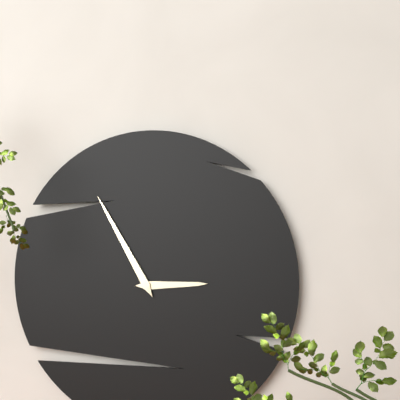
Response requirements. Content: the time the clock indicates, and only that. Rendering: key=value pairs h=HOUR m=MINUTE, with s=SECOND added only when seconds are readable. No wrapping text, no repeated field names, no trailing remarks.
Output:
h=2 m=55
